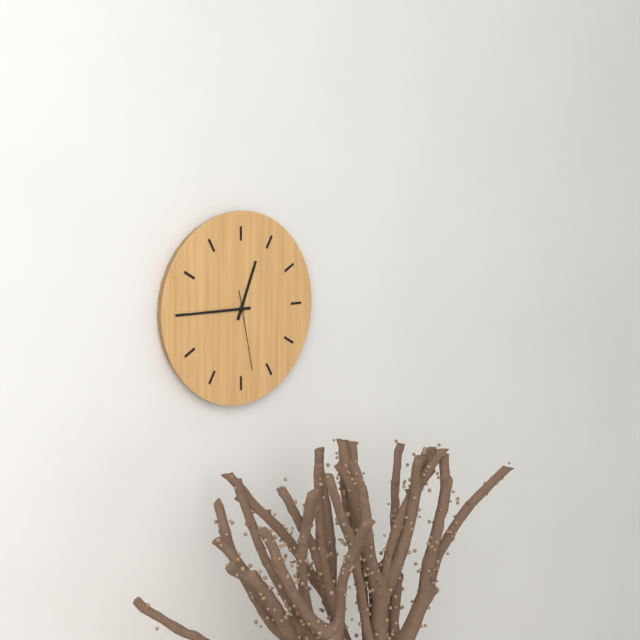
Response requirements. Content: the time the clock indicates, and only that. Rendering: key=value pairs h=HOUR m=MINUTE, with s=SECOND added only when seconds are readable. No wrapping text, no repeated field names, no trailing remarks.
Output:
h=12 m=45 s=28
